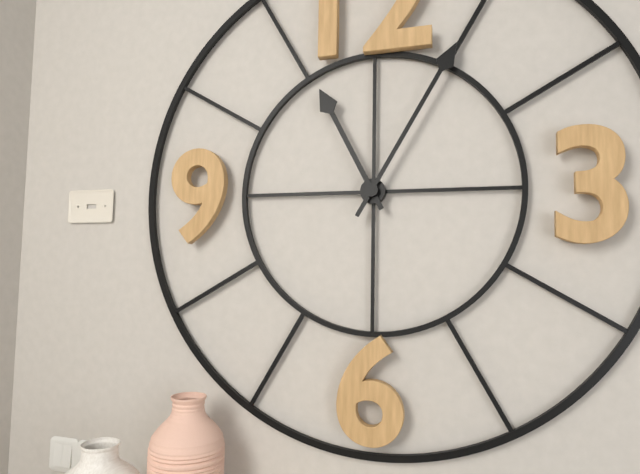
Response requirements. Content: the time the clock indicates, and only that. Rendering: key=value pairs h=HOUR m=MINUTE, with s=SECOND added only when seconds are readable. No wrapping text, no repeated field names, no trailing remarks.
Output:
h=11 m=5
